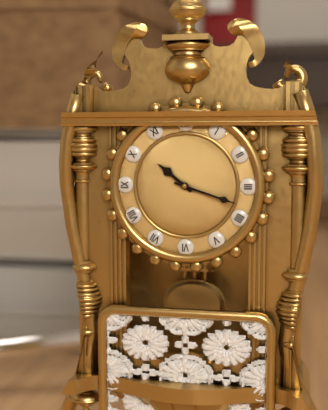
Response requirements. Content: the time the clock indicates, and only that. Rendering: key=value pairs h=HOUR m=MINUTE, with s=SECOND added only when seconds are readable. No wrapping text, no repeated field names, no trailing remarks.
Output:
h=10 m=18
